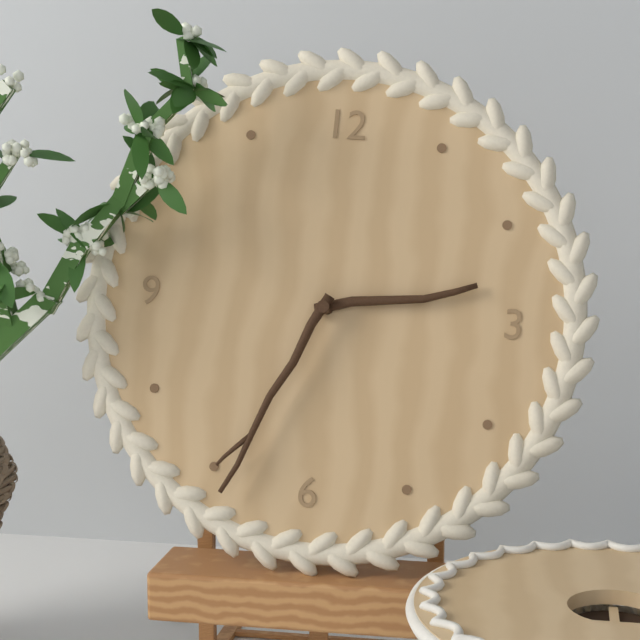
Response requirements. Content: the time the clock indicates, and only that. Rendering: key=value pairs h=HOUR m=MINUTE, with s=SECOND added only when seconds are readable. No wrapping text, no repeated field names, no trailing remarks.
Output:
h=2 m=34
